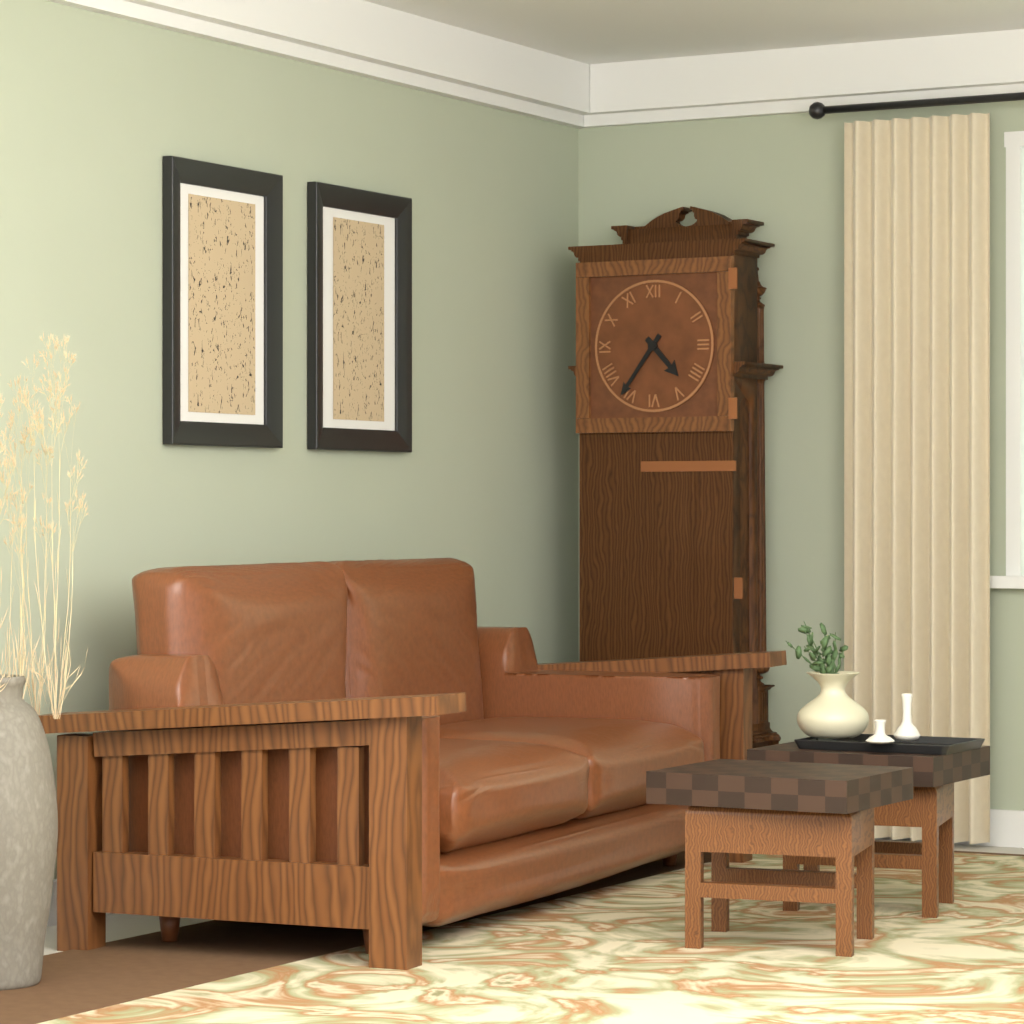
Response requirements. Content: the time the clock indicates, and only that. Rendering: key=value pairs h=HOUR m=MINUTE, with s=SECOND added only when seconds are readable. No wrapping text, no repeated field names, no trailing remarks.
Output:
h=4 m=36
